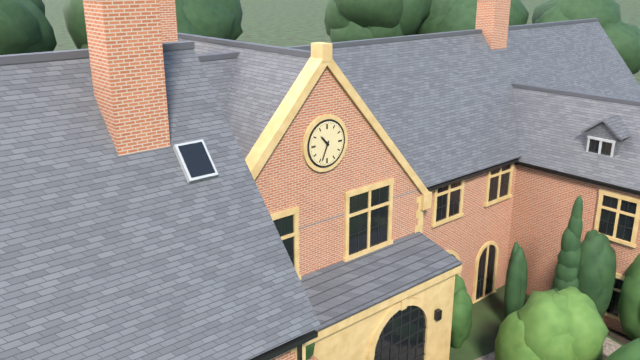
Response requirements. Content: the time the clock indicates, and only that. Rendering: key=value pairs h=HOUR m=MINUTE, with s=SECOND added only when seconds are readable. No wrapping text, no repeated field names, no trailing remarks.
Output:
h=10 m=34
